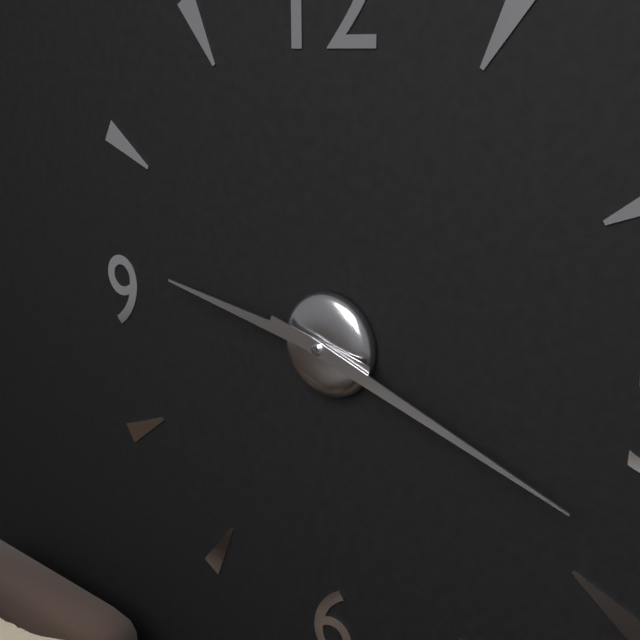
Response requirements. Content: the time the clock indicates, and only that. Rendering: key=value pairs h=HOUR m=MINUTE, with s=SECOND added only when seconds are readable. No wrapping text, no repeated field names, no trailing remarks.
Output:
h=9 m=18
